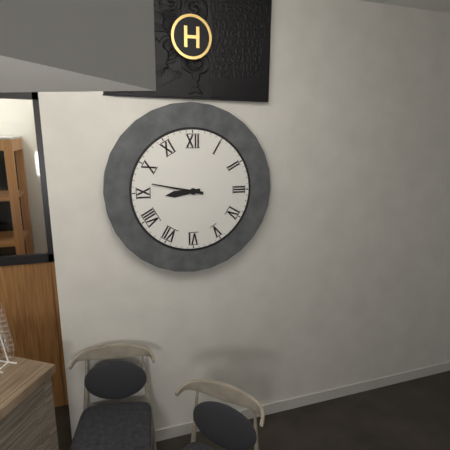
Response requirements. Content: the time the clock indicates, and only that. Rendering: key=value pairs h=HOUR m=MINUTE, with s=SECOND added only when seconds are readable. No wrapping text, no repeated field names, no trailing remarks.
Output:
h=8 m=47
